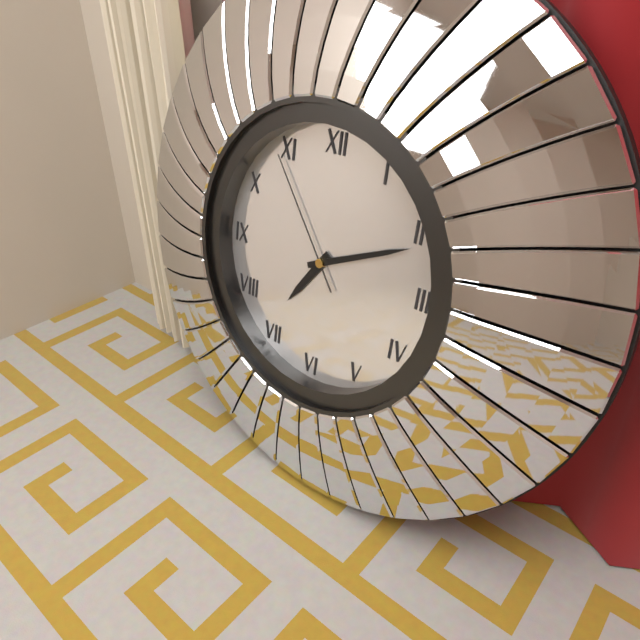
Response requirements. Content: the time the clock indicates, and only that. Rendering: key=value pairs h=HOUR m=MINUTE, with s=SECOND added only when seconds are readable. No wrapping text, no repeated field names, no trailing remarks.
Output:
h=7 m=11 s=54
